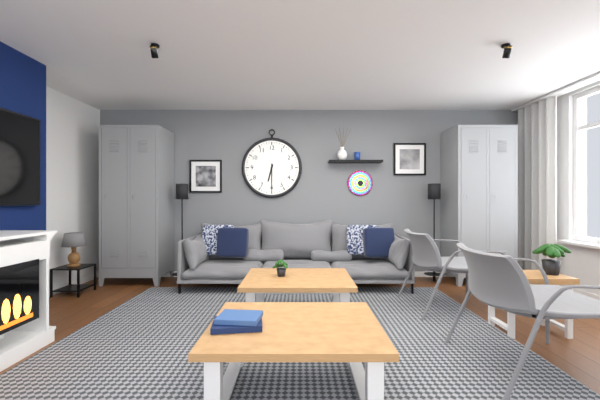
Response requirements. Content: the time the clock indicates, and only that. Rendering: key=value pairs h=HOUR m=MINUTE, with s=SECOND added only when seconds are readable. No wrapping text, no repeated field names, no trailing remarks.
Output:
h=6 m=30
